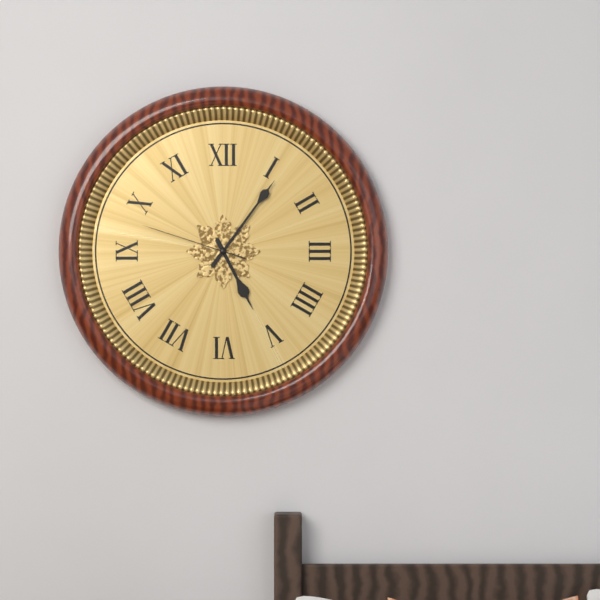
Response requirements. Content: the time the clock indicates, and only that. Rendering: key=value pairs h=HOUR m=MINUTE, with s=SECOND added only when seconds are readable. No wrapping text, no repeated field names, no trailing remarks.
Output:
h=5 m=6 s=48
